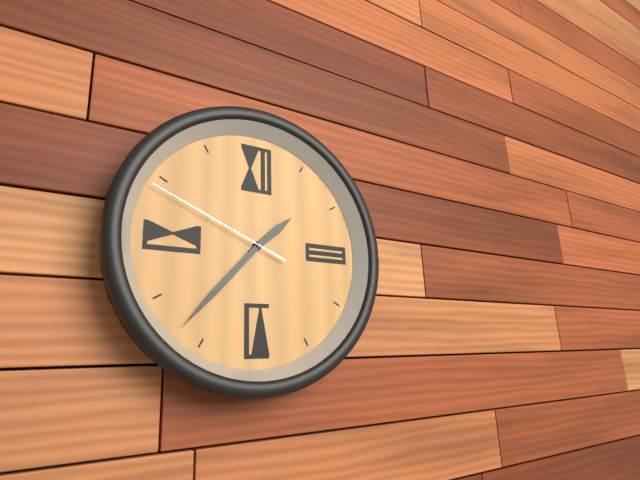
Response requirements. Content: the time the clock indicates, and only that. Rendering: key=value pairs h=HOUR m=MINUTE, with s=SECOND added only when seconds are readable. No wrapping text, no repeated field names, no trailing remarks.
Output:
h=1 m=37 s=49
